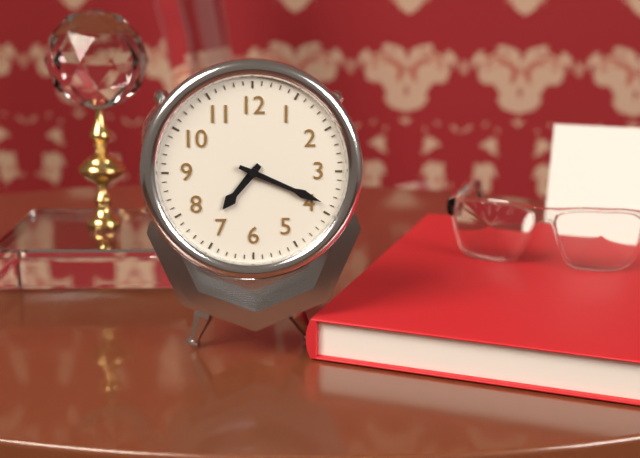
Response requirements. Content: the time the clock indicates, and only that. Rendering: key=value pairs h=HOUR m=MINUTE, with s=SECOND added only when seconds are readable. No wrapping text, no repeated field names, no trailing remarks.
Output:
h=7 m=19
